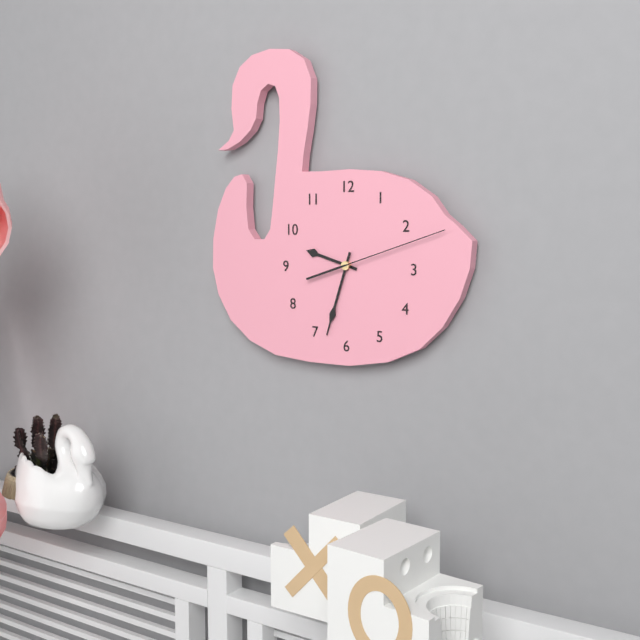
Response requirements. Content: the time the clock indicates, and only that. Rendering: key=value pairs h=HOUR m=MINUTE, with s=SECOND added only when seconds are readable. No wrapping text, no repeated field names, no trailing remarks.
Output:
h=9 m=33 s=12
